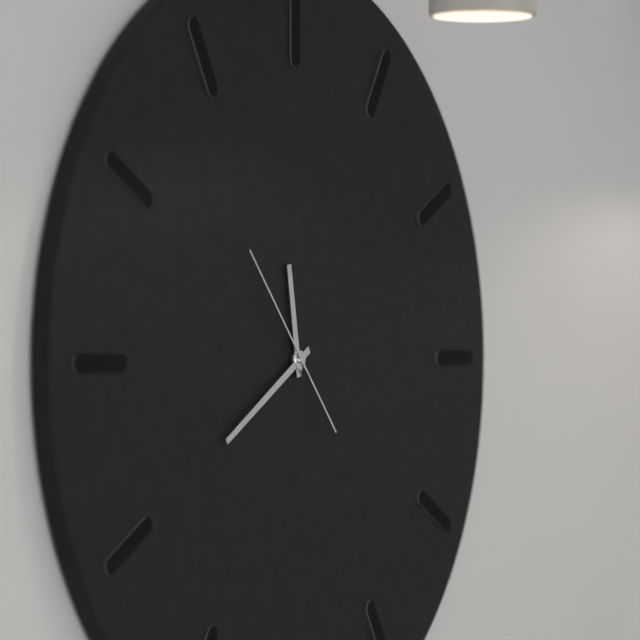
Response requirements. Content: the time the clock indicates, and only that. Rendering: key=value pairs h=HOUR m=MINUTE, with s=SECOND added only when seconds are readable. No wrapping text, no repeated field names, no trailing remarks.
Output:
h=11 m=40 s=53
